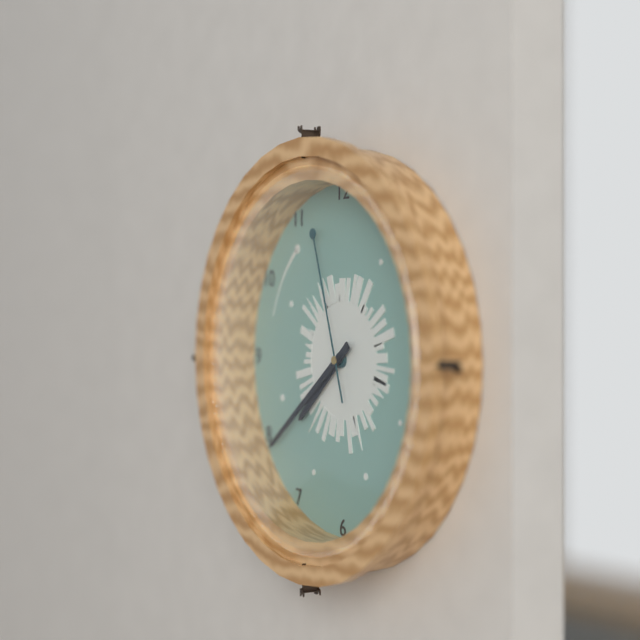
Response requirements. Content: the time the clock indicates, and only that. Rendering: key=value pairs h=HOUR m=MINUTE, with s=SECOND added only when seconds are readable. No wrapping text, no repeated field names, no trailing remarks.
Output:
h=7 m=39 s=57
